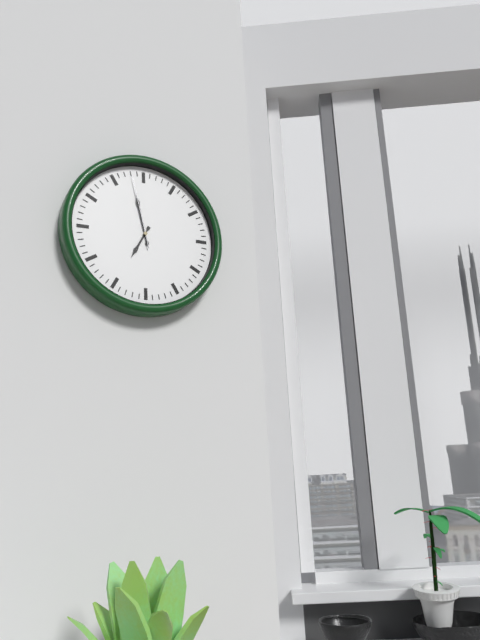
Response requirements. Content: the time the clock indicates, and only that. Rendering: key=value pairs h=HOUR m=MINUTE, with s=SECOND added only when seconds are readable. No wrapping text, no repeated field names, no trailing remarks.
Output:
h=6 m=58 s=58
